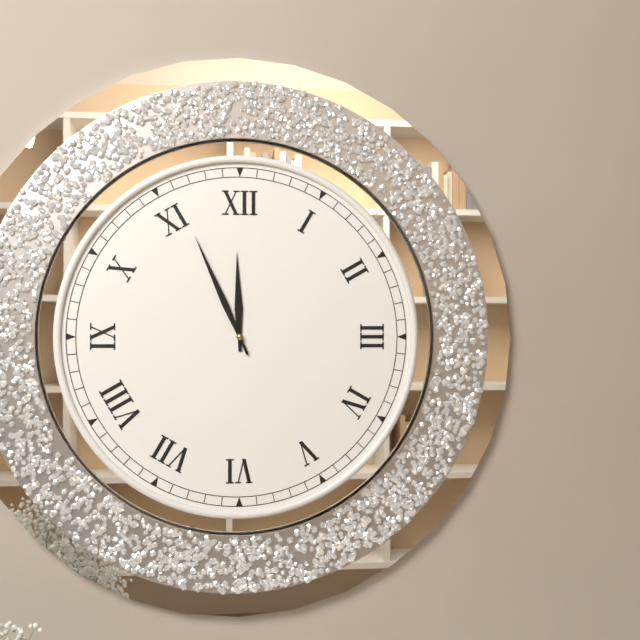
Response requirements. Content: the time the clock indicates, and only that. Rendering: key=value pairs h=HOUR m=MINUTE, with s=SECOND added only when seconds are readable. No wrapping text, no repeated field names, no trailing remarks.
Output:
h=11 m=56
